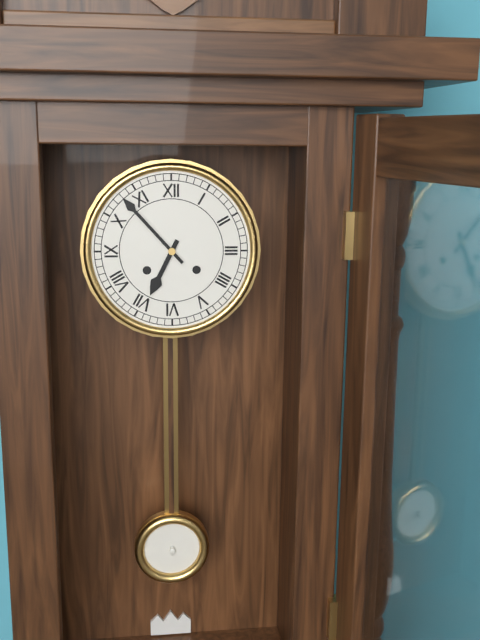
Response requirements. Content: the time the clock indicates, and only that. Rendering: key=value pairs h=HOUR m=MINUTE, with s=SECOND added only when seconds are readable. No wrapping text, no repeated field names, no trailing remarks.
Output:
h=6 m=53
